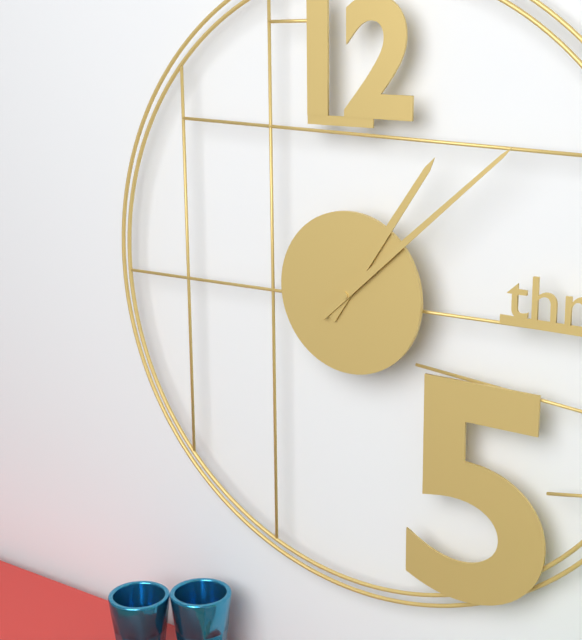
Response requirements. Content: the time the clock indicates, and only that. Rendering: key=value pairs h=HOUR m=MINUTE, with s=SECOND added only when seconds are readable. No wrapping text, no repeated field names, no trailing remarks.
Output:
h=1 m=8
